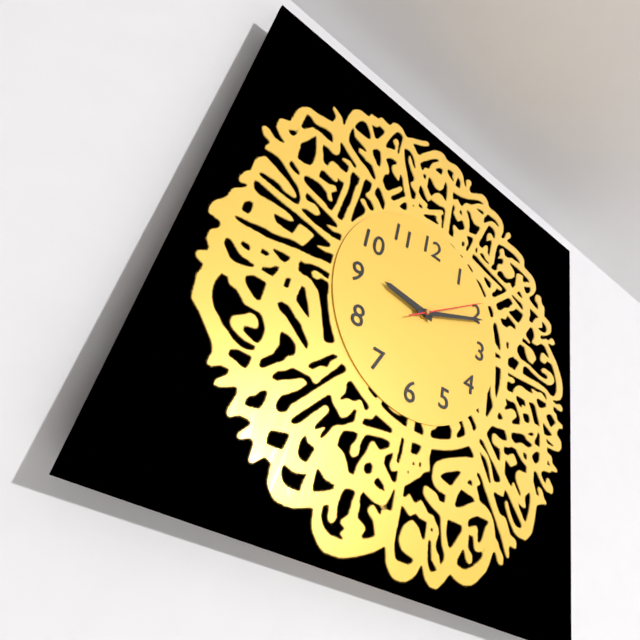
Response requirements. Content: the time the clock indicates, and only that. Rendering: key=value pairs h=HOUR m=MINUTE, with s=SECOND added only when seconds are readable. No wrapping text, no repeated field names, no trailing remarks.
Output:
h=9 m=11 s=9
